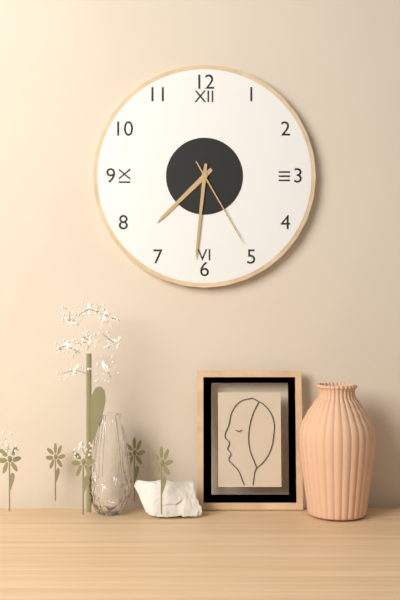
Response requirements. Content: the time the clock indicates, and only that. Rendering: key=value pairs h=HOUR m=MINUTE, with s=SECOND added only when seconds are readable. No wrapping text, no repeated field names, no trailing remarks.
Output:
h=7 m=31 s=25
